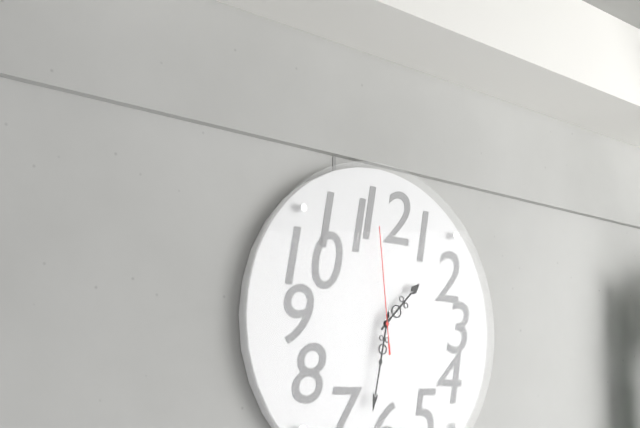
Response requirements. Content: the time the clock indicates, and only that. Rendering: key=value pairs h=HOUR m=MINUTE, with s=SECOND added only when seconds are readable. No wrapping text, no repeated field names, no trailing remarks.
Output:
h=1 m=32 s=59
